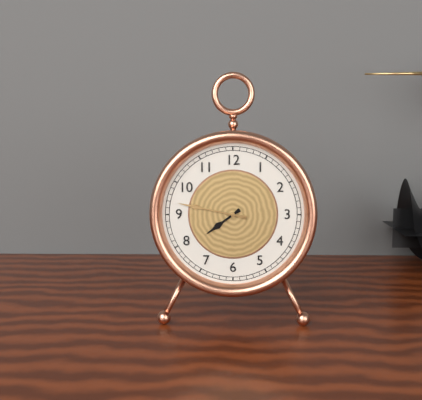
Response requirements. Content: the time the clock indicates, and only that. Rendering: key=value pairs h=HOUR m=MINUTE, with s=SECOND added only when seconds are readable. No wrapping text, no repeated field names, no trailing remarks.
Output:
h=7 m=47
